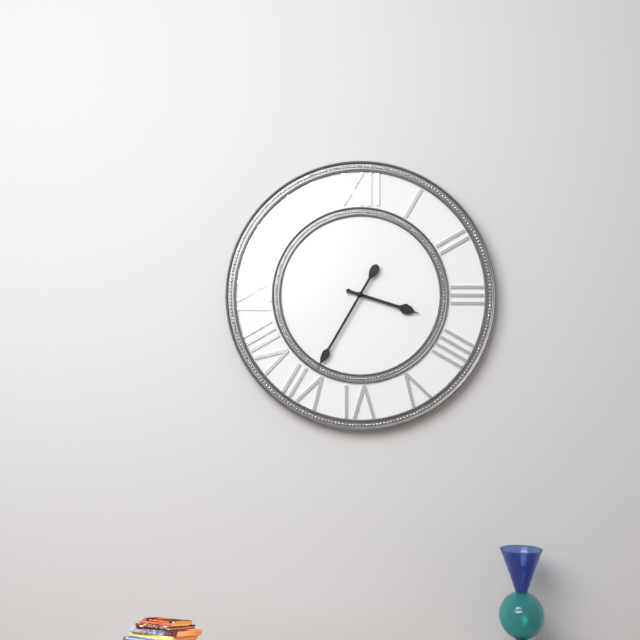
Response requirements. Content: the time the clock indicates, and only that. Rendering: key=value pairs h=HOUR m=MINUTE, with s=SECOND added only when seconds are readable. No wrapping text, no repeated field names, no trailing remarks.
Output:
h=3 m=35
